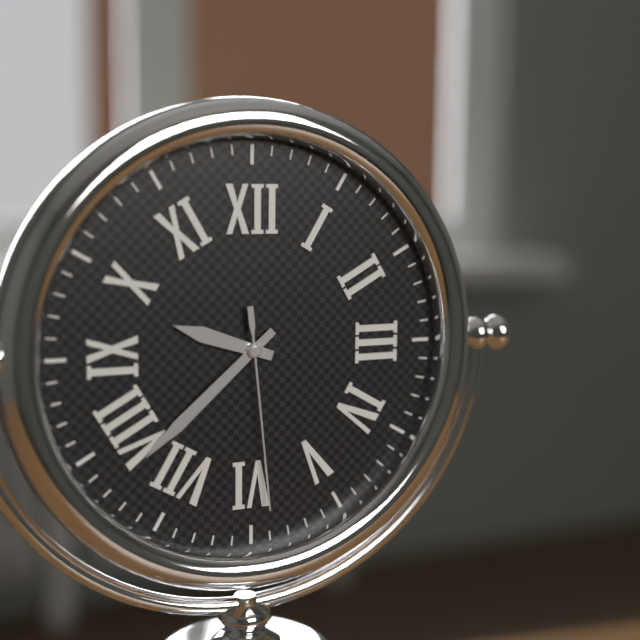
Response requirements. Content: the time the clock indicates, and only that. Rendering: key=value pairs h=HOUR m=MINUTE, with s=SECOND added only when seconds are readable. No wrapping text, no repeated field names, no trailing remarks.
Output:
h=9 m=38 s=29
